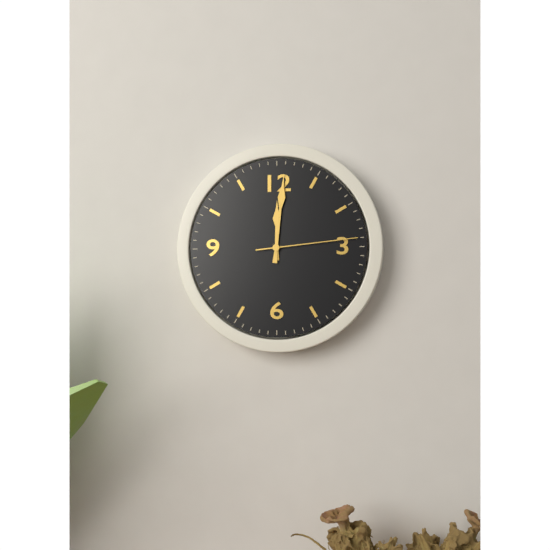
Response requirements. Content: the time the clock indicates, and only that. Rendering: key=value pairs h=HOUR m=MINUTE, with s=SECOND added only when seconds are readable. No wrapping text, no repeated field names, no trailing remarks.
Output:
h=12 m=1 s=14
